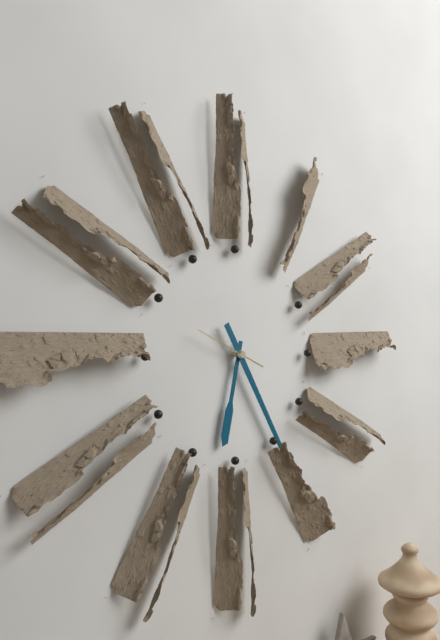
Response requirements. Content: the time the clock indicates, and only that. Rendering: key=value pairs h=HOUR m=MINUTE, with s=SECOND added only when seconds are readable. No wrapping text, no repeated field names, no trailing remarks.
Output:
h=6 m=25 s=49
